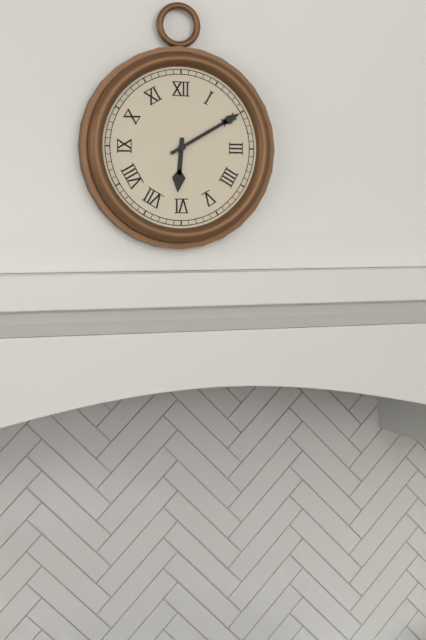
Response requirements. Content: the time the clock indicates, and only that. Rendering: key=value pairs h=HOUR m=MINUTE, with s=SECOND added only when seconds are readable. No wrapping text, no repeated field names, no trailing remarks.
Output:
h=6 m=10
